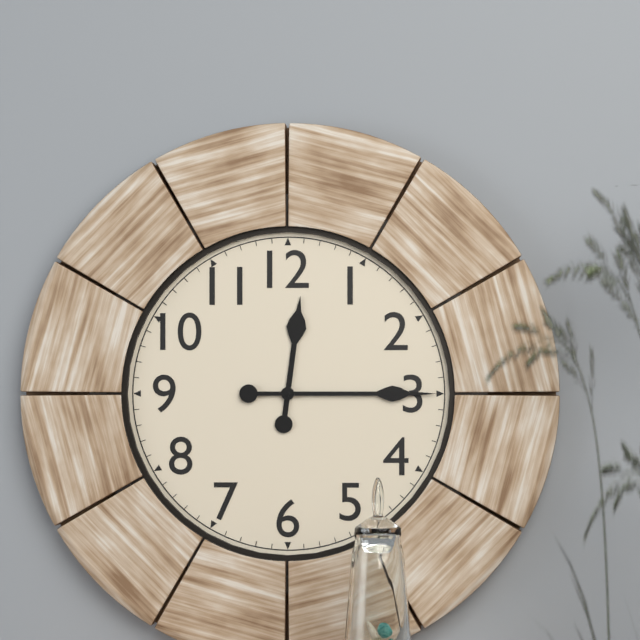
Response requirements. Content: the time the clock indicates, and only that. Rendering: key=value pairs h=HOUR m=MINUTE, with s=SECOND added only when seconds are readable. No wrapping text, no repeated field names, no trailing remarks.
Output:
h=12 m=15
